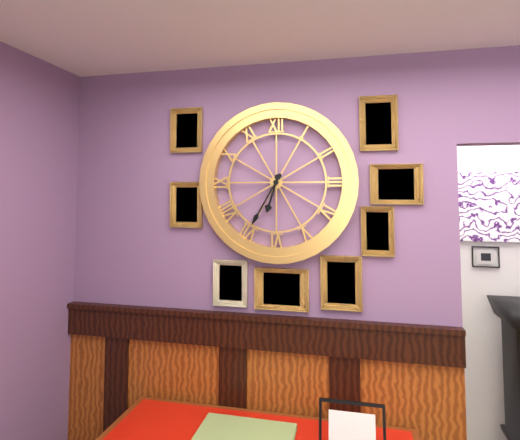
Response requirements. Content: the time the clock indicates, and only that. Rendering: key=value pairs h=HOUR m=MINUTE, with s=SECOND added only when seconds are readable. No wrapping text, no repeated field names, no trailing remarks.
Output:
h=6 m=35
